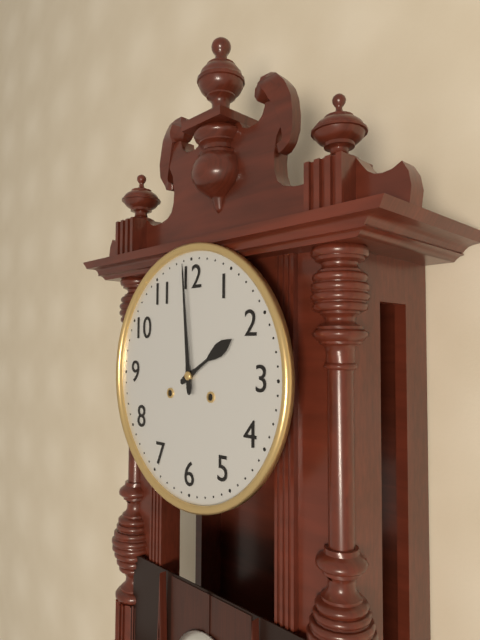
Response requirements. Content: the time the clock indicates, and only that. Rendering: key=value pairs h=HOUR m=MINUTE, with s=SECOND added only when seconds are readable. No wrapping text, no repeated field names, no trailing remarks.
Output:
h=1 m=59
